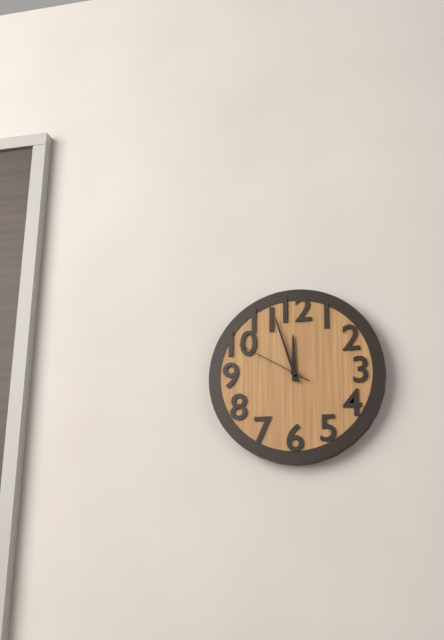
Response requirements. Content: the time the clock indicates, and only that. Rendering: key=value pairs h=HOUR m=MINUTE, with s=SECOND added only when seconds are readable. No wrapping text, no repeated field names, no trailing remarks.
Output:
h=11 m=57 s=50
